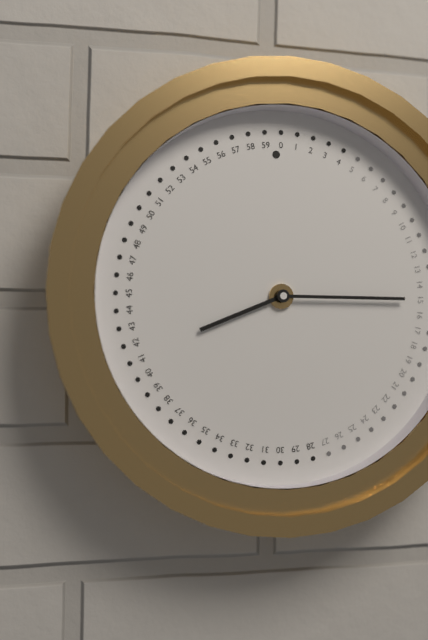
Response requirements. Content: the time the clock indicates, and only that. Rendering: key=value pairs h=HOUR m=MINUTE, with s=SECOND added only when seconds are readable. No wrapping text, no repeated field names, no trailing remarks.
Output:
h=8 m=15
